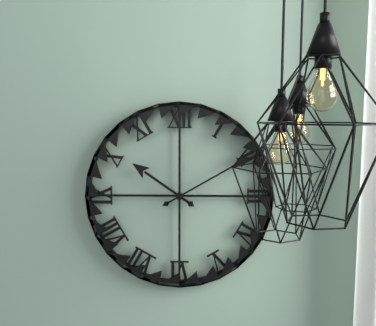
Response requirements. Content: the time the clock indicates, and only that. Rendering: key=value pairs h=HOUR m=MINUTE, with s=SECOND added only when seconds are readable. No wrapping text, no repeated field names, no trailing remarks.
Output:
h=10 m=10
